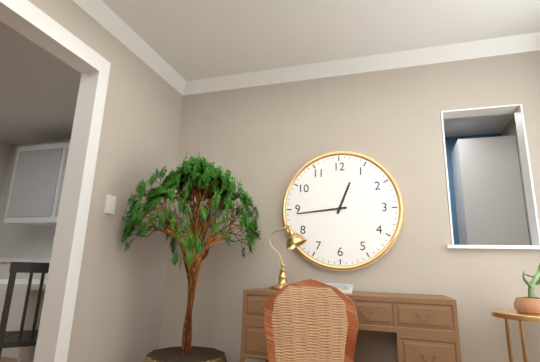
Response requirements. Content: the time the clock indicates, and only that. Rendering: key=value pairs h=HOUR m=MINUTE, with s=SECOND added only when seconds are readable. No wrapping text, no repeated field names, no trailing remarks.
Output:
h=12 m=44
